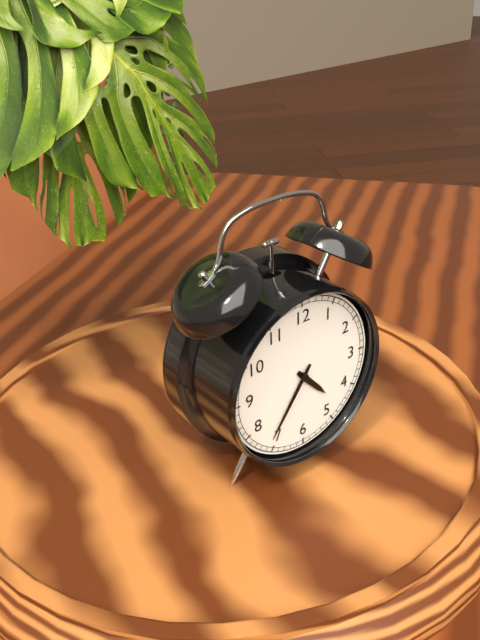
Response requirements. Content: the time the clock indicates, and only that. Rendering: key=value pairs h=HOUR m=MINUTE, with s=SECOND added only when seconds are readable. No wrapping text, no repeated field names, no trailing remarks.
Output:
h=4 m=36
